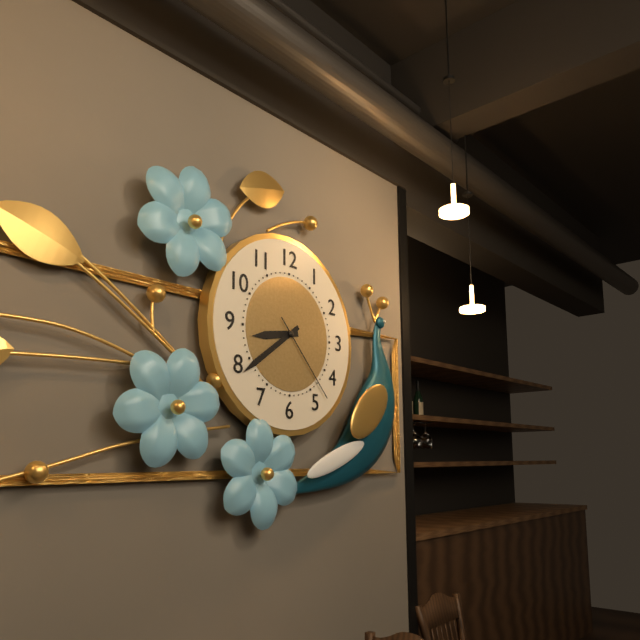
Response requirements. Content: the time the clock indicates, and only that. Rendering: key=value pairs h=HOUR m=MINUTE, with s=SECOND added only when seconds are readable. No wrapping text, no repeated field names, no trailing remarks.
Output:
h=8 m=39 s=23
